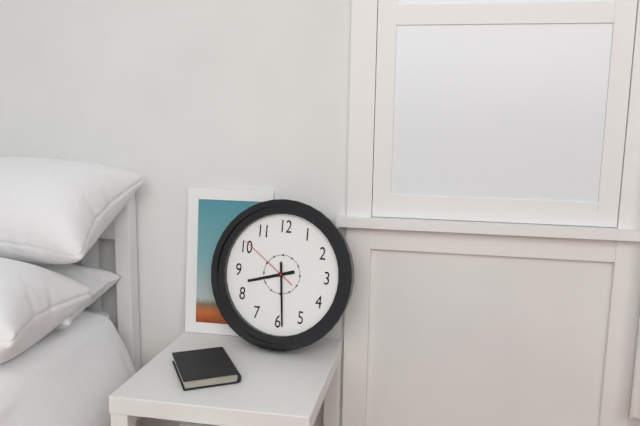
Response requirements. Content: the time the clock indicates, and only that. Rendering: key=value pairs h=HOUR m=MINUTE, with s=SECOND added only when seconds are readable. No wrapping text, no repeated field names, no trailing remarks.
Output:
h=8 m=29 s=51
